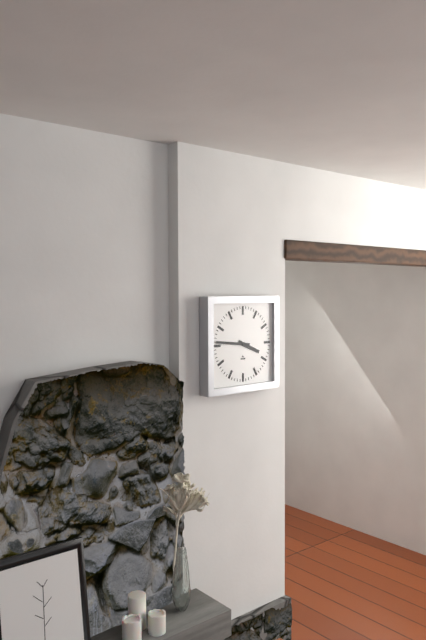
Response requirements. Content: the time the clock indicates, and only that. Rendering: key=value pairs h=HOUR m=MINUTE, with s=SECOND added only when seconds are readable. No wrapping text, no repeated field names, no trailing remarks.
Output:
h=3 m=46
